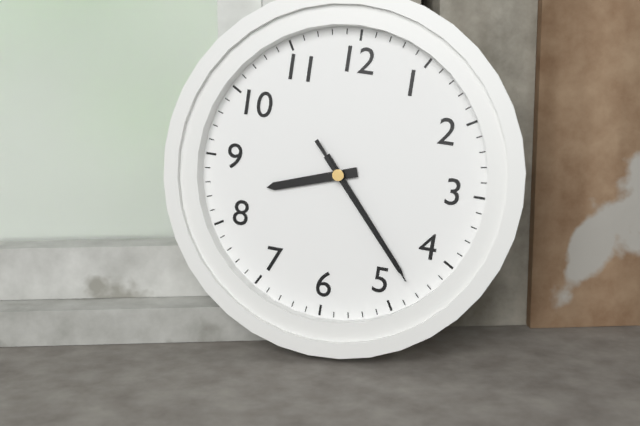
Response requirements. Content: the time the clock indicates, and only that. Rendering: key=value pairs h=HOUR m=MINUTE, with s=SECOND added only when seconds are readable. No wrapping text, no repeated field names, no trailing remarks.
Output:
h=8 m=23 s=23
